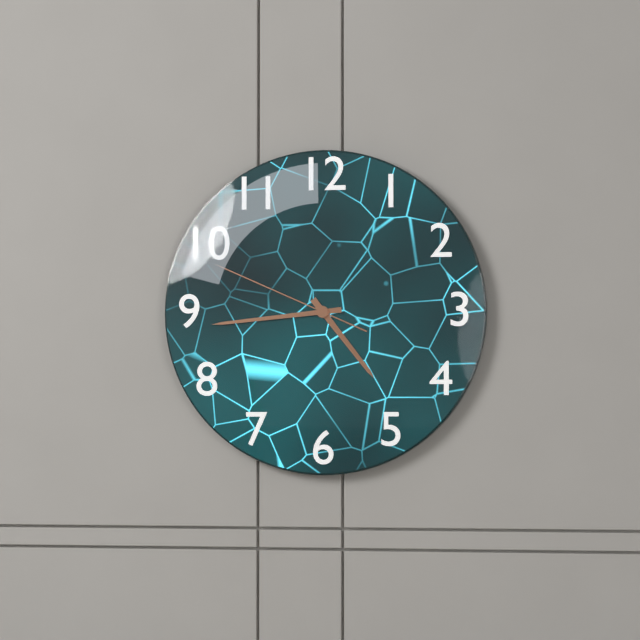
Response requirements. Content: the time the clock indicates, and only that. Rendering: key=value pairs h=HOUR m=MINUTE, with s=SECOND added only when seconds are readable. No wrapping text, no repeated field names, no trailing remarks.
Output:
h=4 m=44 s=49
